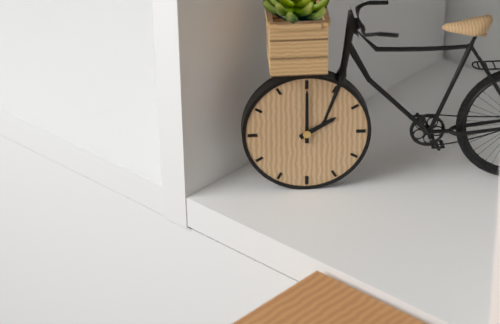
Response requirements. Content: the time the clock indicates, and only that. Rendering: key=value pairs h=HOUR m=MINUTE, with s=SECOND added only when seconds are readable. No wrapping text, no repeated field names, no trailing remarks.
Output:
h=2 m=0
